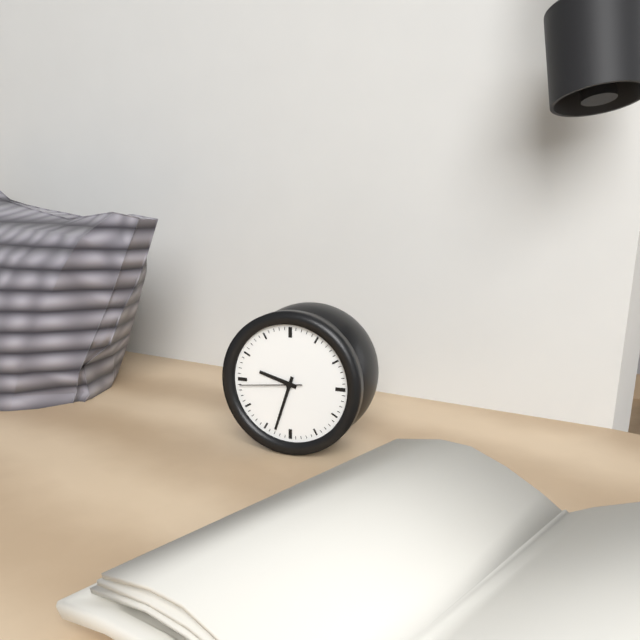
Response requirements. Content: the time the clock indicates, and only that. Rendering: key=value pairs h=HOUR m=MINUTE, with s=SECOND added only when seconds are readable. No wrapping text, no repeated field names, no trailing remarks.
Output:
h=9 m=33 s=44
